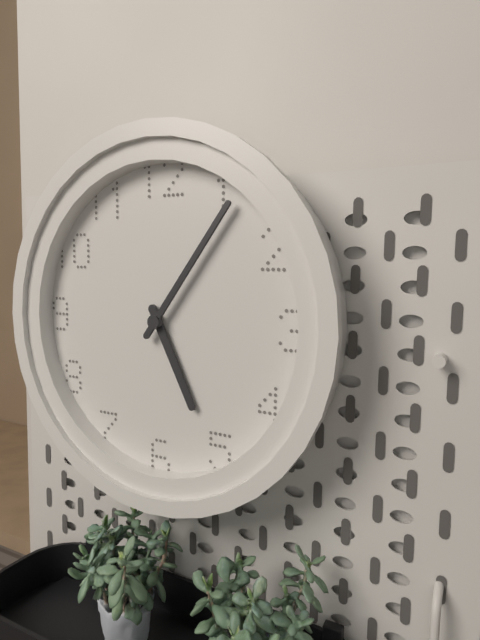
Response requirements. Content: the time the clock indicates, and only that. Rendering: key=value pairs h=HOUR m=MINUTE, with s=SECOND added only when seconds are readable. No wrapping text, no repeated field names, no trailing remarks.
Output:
h=5 m=6
